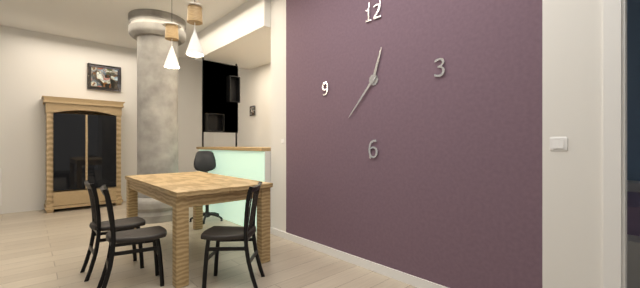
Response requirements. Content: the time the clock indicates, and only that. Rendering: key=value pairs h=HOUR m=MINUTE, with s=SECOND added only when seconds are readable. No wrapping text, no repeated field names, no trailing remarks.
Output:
h=12 m=37
